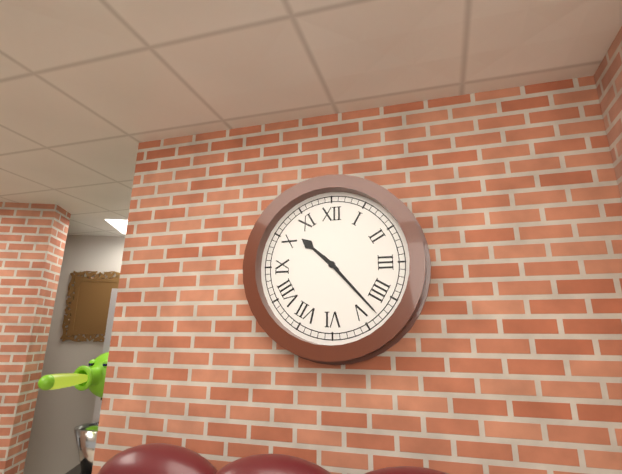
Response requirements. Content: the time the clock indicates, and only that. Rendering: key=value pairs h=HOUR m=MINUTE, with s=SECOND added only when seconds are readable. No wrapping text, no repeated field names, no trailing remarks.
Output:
h=10 m=23
